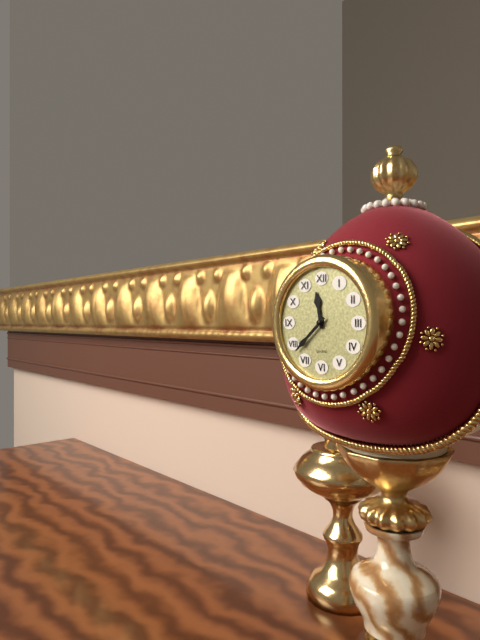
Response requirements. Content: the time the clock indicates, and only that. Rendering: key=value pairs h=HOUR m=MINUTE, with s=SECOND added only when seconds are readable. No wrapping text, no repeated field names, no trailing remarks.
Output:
h=11 m=38
